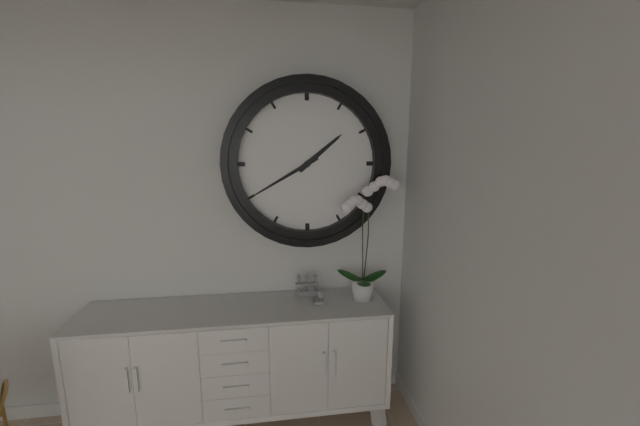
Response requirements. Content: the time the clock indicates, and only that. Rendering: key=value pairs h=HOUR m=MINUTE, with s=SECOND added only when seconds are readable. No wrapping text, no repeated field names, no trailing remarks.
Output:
h=1 m=40
